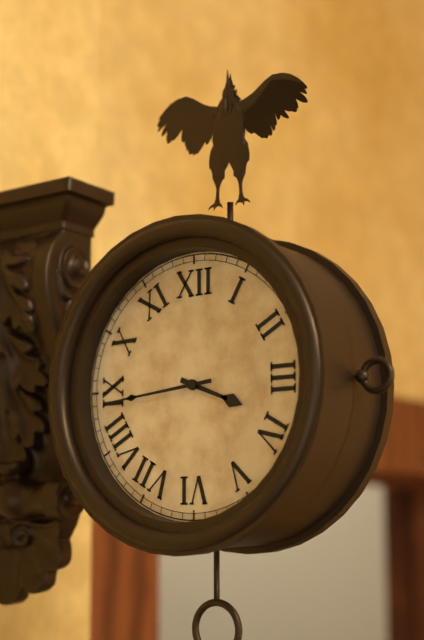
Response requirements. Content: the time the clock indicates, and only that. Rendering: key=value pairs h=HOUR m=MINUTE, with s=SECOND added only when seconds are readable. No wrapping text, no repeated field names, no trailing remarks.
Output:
h=3 m=44
